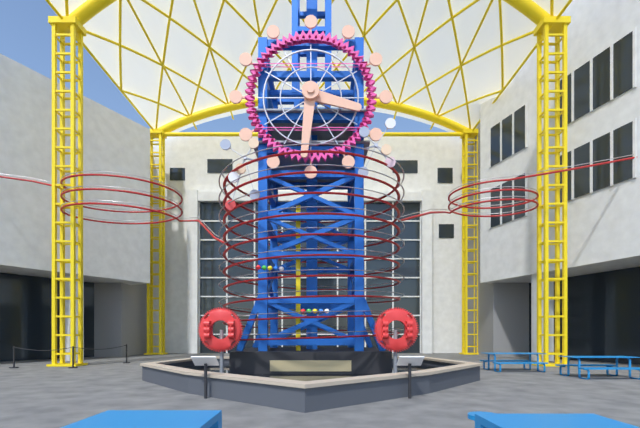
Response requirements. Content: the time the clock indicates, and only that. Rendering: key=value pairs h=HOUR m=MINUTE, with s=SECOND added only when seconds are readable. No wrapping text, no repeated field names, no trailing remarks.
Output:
h=3 m=31
